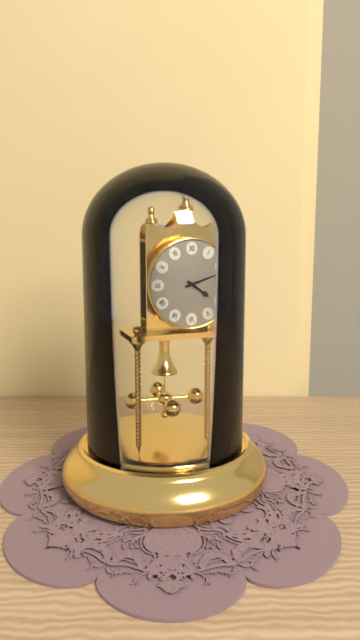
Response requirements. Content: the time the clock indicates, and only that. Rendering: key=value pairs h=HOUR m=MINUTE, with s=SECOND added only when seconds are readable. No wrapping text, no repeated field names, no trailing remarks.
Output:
h=4 m=12
